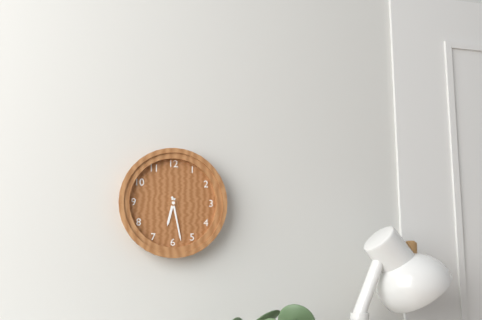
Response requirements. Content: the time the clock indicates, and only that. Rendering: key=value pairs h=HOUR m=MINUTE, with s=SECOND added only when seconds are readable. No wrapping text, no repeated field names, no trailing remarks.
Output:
h=6 m=28
